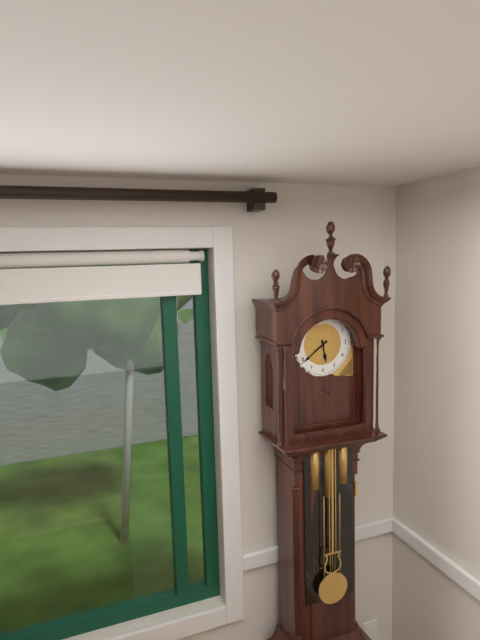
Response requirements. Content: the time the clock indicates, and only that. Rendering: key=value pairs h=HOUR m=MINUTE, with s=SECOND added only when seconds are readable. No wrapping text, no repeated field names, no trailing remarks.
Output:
h=5 m=39
